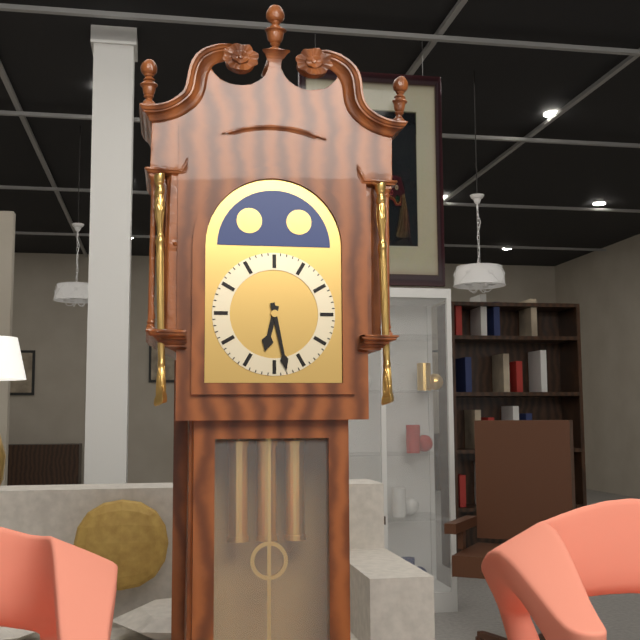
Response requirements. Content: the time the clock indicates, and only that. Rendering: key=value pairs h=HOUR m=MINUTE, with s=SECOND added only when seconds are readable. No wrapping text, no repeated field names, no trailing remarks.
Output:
h=6 m=28
